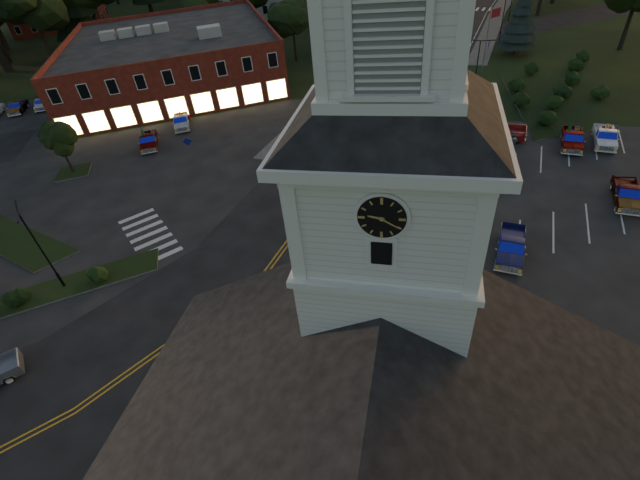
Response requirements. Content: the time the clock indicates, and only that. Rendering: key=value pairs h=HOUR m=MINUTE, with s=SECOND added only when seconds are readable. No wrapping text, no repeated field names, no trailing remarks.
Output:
h=9 m=20
